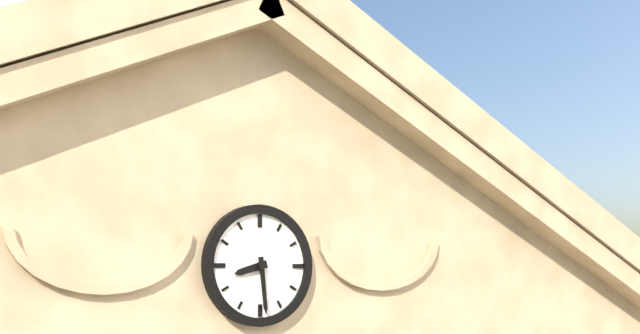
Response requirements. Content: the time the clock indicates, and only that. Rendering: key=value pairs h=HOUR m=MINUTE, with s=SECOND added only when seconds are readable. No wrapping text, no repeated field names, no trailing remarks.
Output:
h=8 m=29
